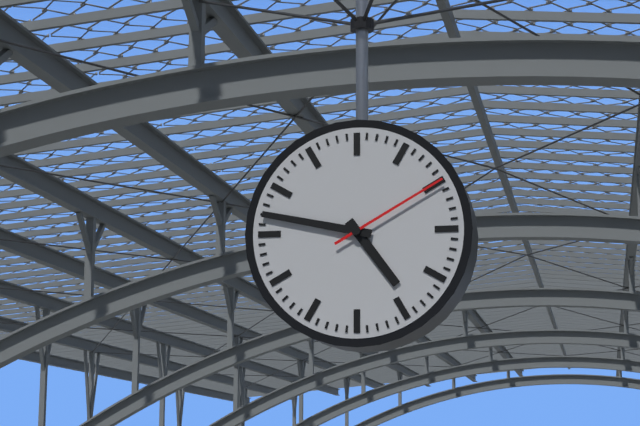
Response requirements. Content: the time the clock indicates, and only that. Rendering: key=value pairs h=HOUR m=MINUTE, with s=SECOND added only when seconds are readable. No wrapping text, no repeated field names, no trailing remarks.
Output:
h=4 m=47 s=10
